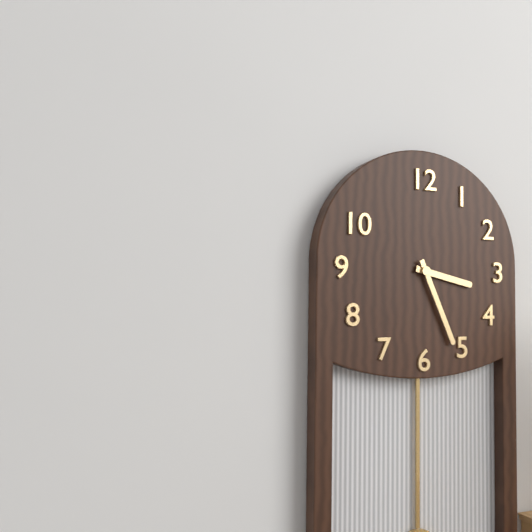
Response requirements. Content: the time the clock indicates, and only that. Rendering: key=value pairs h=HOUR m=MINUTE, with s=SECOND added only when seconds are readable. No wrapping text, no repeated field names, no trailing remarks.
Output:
h=3 m=26
